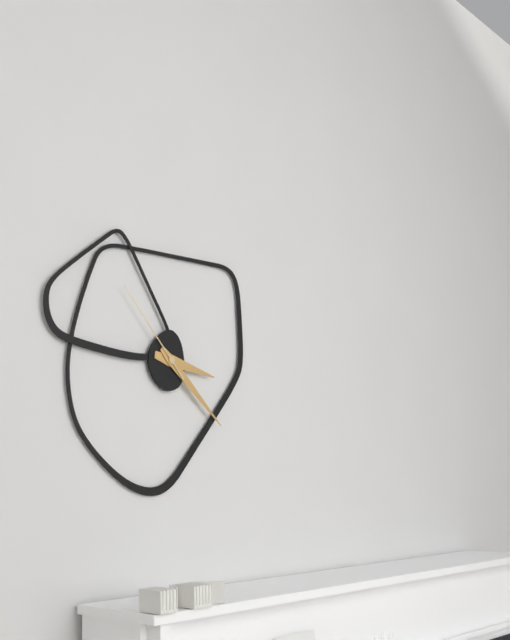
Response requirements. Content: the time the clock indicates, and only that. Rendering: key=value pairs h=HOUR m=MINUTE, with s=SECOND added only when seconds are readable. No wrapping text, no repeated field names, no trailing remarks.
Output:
h=3 m=22 s=53
